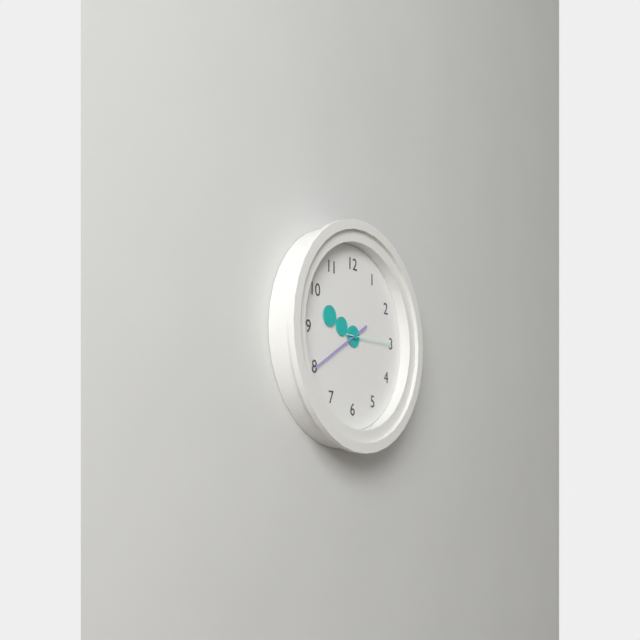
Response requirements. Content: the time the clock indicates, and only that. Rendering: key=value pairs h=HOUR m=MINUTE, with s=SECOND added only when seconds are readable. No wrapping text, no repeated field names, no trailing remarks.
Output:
h=9 m=40
